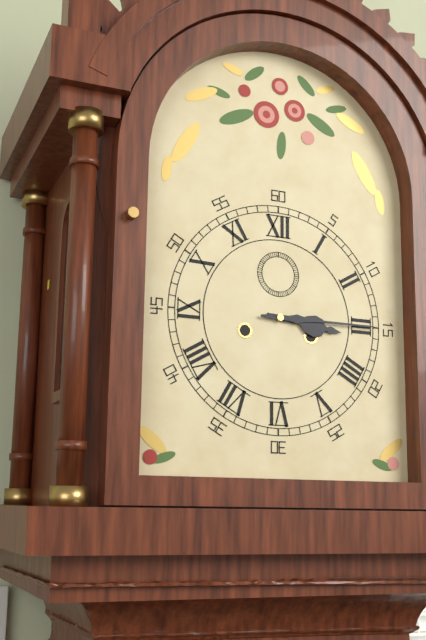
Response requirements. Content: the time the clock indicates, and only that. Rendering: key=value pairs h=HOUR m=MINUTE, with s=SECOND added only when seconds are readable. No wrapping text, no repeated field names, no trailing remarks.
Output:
h=3 m=15
